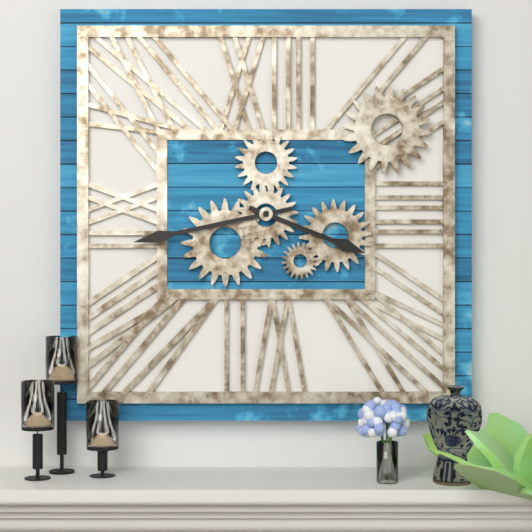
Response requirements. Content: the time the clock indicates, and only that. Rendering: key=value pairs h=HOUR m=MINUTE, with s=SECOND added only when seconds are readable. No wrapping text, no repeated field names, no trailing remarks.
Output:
h=3 m=43
